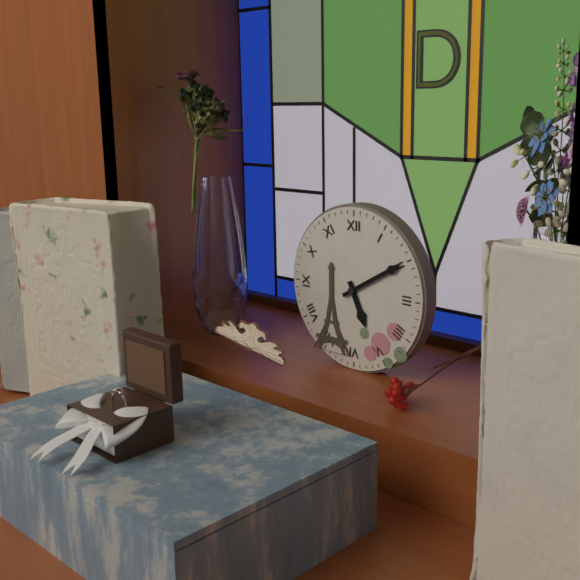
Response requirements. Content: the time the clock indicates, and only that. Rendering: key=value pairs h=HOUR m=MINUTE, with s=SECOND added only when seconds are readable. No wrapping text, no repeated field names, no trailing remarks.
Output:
h=5 m=10
